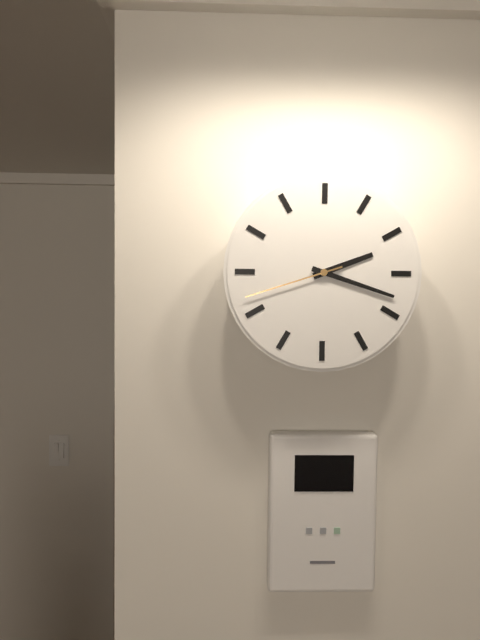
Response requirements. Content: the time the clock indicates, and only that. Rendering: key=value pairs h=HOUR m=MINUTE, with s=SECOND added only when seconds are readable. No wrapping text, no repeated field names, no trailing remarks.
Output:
h=2 m=18 s=42
